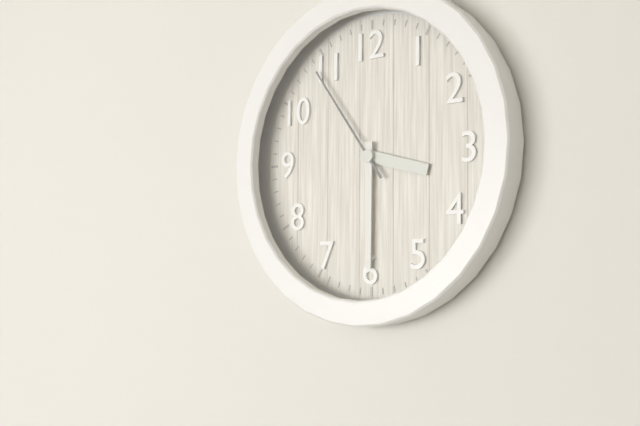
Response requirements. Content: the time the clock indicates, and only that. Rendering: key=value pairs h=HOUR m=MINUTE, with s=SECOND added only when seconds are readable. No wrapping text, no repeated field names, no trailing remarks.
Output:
h=3 m=30 s=54
